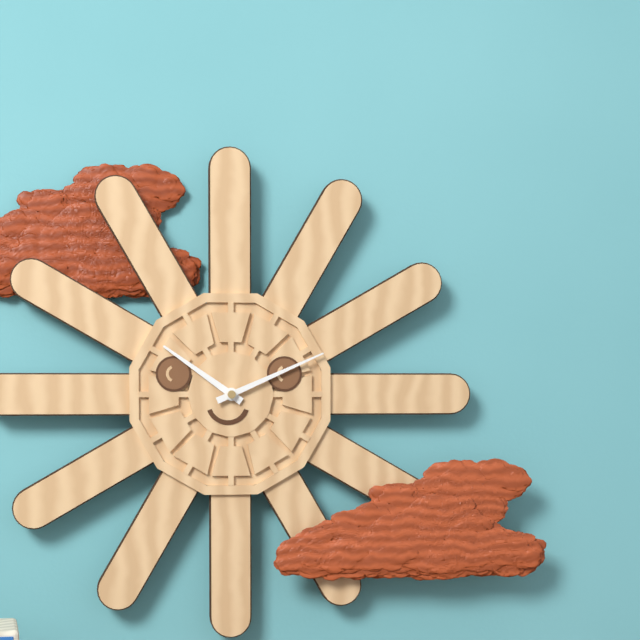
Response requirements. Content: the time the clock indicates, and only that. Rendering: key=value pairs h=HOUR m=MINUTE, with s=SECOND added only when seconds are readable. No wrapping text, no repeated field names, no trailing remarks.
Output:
h=10 m=11
